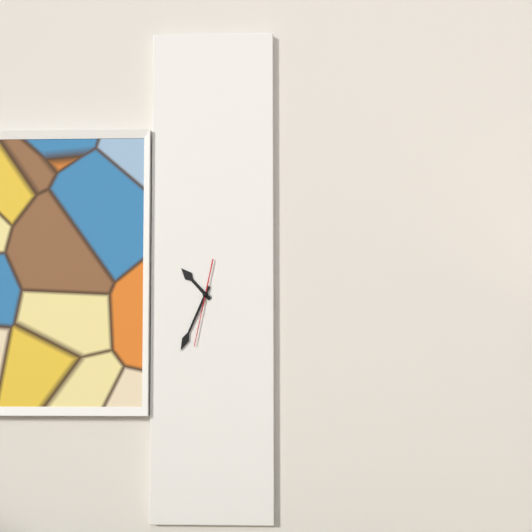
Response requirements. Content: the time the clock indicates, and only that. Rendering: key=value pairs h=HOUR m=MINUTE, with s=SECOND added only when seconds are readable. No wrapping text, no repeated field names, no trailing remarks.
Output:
h=10 m=34 s=32
